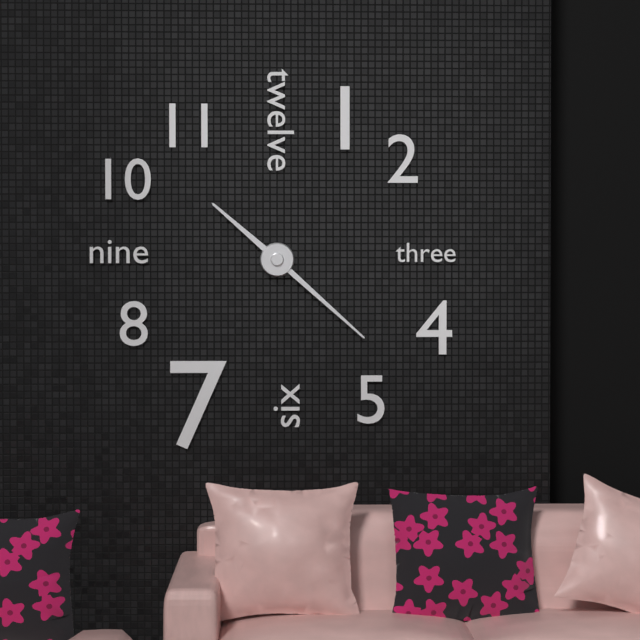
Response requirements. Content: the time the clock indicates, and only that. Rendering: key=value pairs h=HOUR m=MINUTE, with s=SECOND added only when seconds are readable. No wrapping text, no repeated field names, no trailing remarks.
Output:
h=10 m=22
